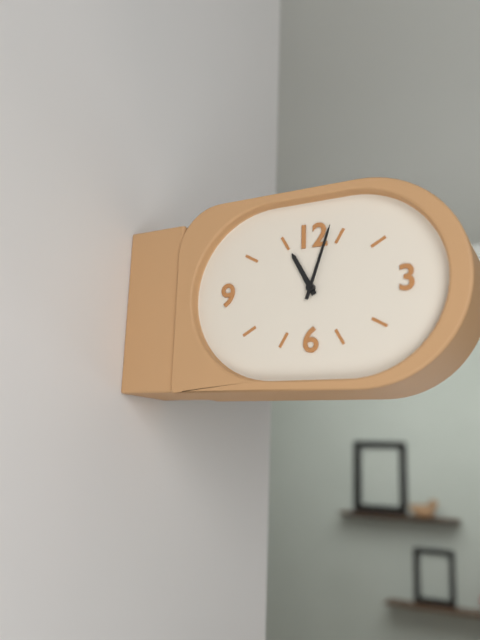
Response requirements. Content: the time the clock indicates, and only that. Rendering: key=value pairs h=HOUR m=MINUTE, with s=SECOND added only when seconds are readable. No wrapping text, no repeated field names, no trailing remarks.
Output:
h=11 m=3
